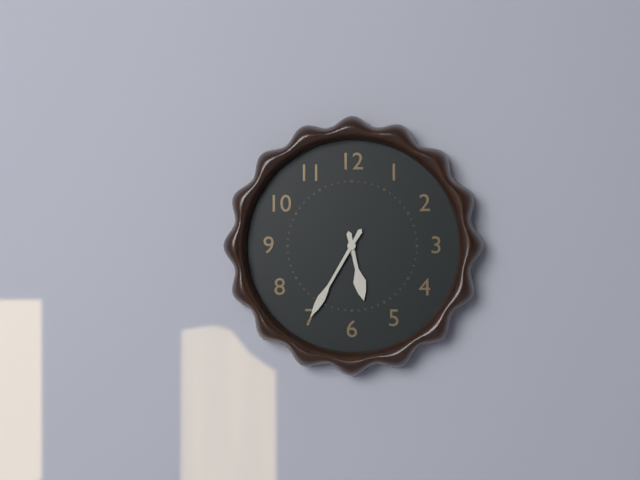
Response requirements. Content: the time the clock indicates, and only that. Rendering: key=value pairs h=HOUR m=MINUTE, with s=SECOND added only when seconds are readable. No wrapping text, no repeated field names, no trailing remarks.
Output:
h=5 m=35
